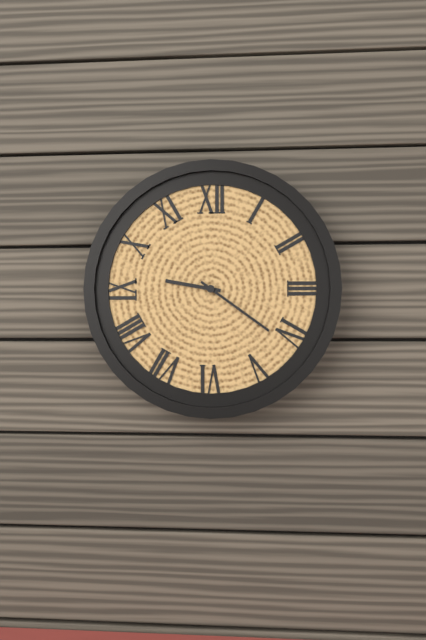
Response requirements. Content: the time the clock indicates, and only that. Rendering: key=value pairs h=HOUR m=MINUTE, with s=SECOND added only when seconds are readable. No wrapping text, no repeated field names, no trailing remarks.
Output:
h=9 m=21
